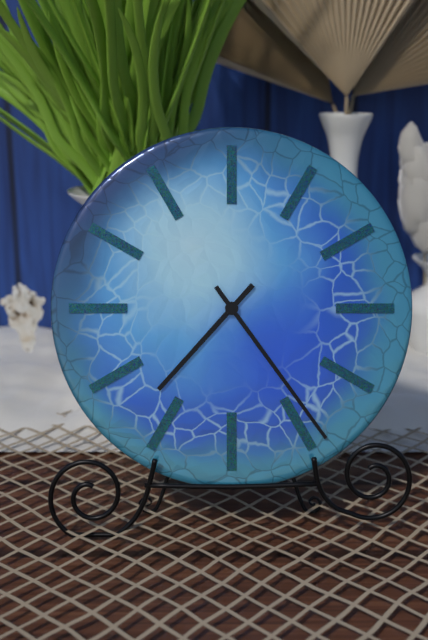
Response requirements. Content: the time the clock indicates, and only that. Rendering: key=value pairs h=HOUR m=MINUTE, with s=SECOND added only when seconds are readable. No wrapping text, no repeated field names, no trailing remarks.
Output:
h=7 m=24
